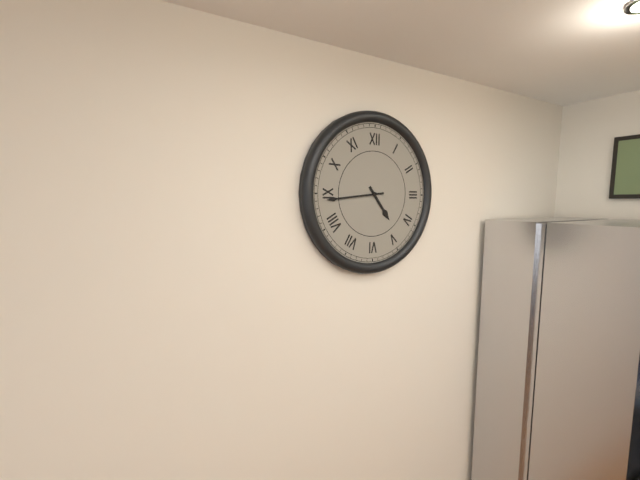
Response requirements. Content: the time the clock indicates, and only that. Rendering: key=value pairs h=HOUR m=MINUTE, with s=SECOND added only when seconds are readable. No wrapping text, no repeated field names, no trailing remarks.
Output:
h=4 m=44
